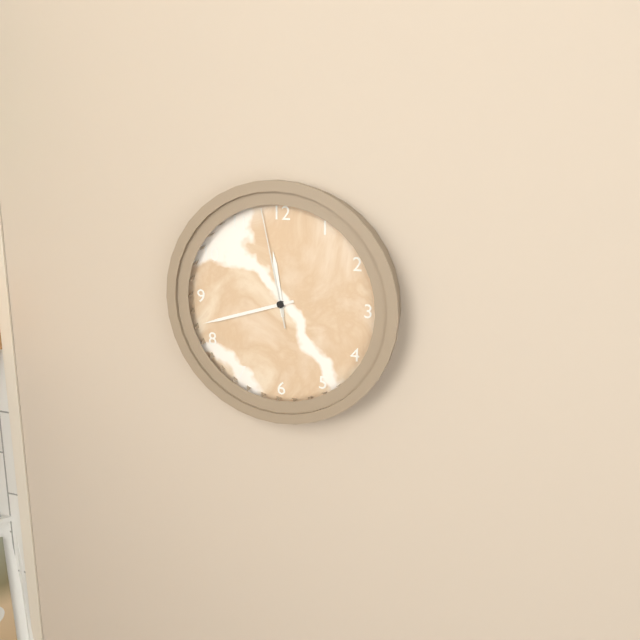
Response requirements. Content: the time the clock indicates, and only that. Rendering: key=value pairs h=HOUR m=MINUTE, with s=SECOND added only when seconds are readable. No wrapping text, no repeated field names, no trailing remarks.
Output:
h=11 m=42 s=58
